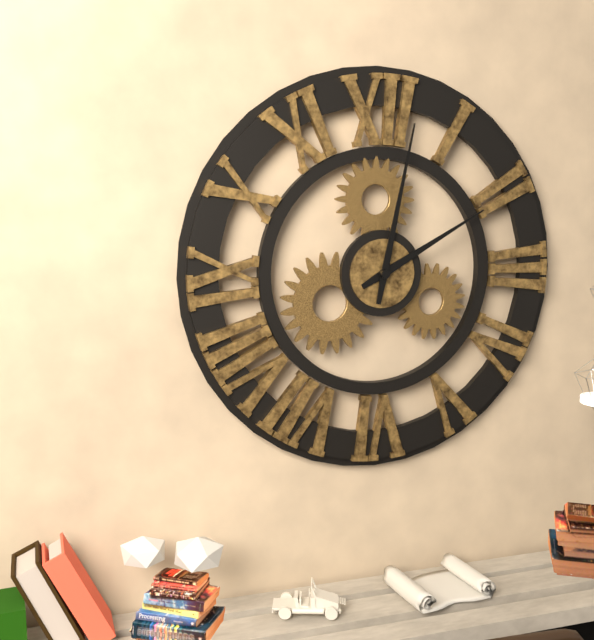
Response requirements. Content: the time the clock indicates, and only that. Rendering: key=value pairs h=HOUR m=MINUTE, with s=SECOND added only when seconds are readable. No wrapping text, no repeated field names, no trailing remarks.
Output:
h=2 m=2
